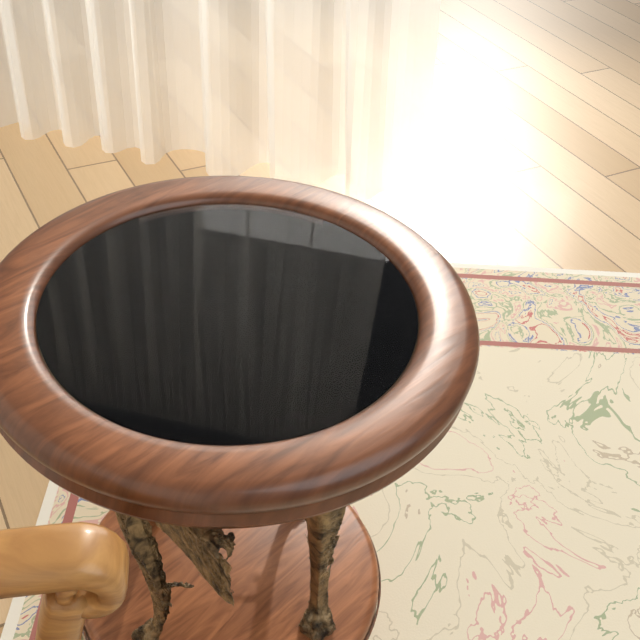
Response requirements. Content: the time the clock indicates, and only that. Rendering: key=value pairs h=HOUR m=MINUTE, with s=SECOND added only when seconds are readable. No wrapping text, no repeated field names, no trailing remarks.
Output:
h=7 m=52
